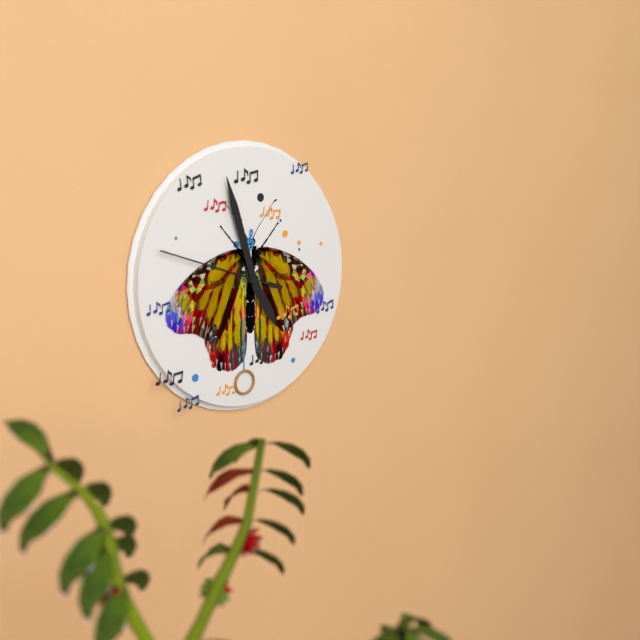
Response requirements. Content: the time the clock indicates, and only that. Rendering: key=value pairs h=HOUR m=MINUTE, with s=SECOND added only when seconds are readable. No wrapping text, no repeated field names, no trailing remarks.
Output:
h=4 m=57 s=48
